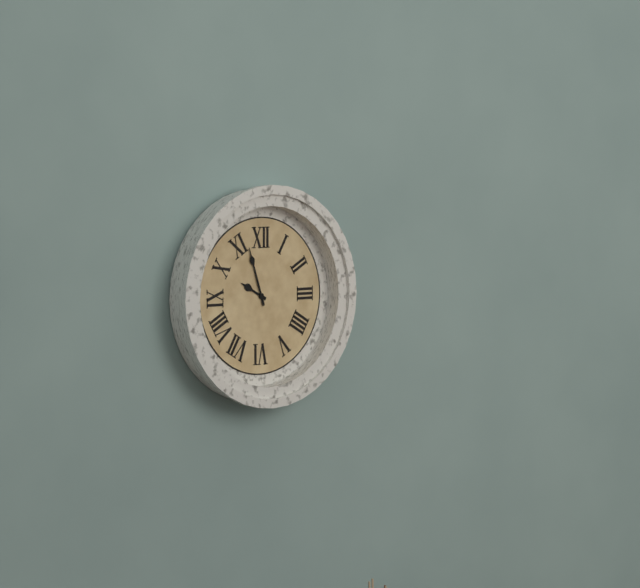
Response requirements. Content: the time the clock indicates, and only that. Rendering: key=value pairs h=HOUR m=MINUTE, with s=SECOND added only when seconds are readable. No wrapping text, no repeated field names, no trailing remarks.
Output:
h=9 m=57
